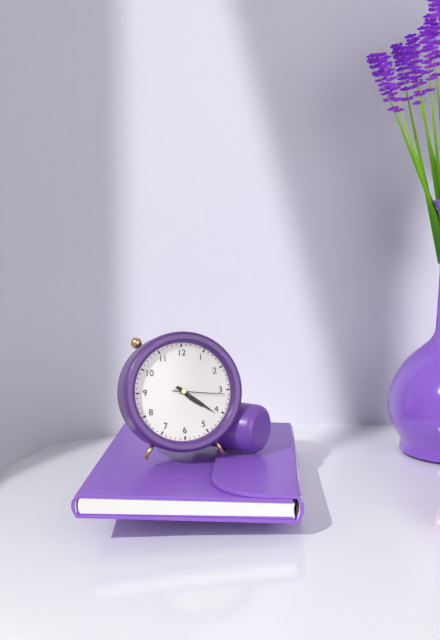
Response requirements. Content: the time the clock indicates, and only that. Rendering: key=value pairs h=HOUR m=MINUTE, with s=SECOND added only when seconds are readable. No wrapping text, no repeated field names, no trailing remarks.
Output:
h=4 m=21 s=16
